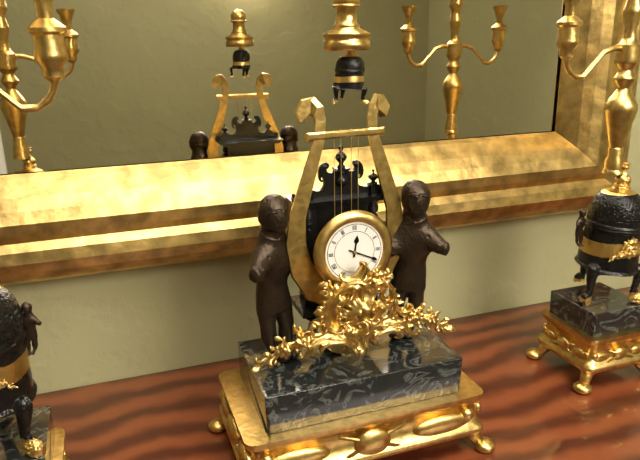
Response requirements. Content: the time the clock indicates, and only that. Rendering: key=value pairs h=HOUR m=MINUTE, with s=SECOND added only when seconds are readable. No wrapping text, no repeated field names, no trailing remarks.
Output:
h=12 m=19
